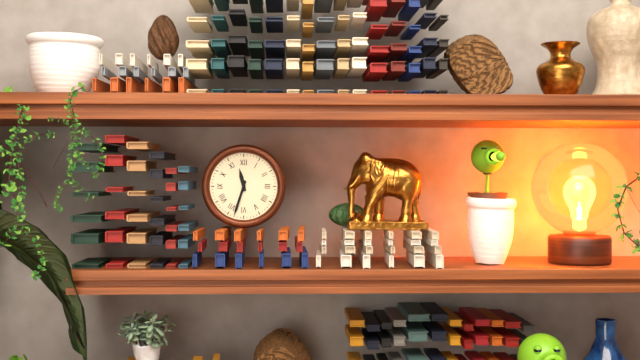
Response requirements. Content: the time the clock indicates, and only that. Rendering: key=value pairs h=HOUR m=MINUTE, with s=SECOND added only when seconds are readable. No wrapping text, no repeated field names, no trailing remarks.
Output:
h=11 m=33
